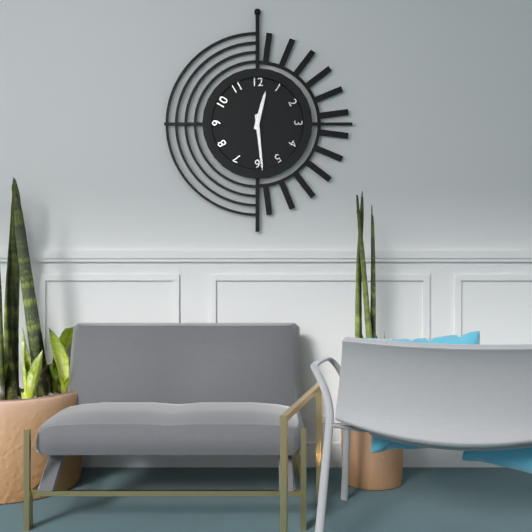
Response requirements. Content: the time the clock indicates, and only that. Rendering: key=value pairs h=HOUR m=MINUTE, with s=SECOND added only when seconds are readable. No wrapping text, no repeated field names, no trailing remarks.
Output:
h=12 m=29
